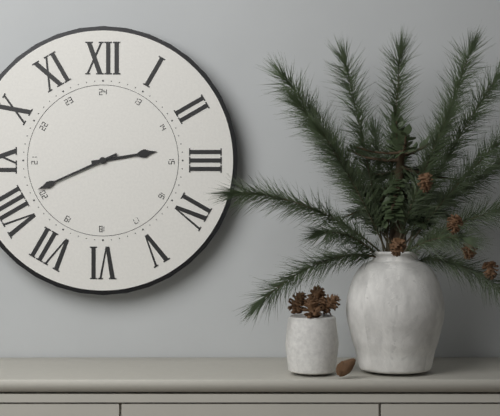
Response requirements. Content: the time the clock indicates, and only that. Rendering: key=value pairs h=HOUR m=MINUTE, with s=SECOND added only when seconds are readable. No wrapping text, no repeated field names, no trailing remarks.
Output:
h=2 m=41
